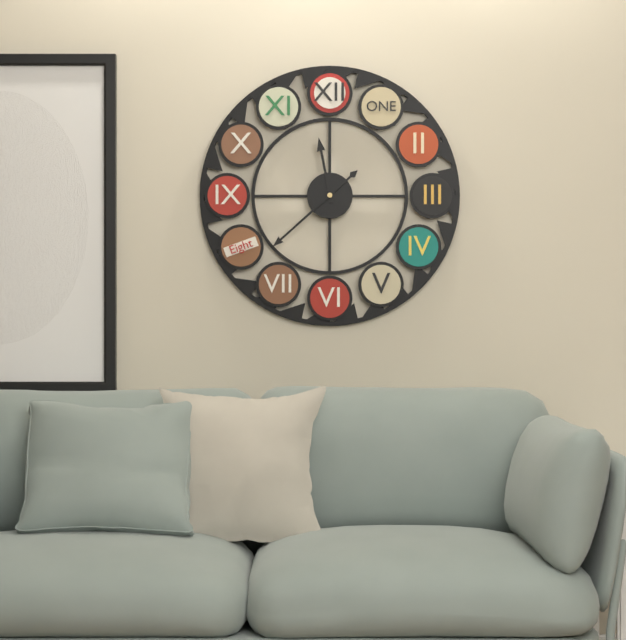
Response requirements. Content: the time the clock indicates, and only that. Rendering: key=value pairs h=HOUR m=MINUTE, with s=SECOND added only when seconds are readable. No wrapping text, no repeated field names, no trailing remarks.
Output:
h=11 m=38
